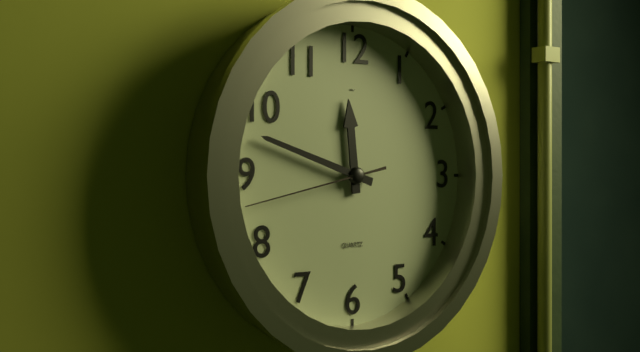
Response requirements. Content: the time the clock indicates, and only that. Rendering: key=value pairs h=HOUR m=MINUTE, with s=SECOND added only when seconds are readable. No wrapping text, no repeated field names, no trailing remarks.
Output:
h=11 m=48 s=43
